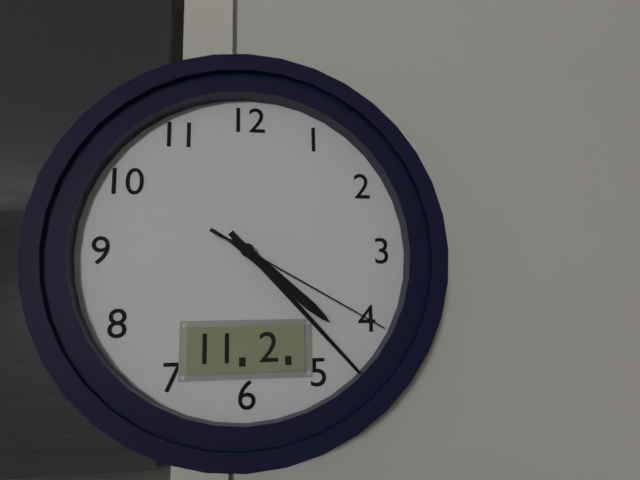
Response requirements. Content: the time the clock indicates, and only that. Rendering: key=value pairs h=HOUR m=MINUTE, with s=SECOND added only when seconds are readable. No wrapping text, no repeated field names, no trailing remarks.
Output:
h=4 m=23 s=20
